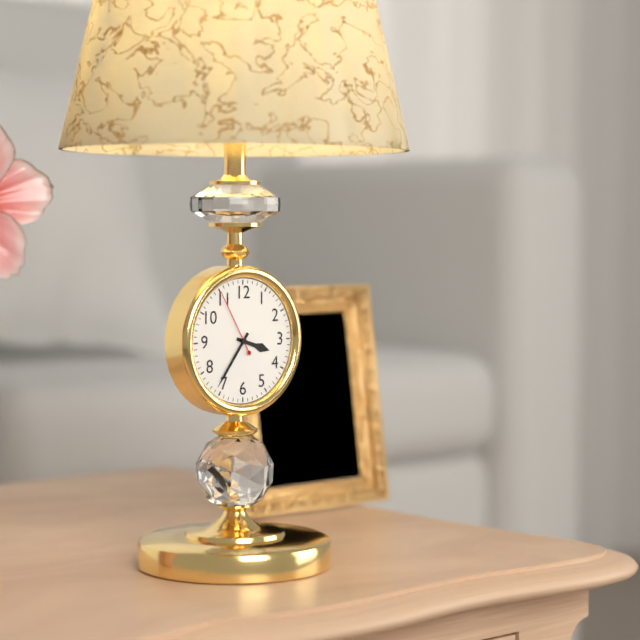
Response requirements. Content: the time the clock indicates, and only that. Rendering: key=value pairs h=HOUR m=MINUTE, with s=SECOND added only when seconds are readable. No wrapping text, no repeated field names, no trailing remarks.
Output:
h=3 m=36 s=55
